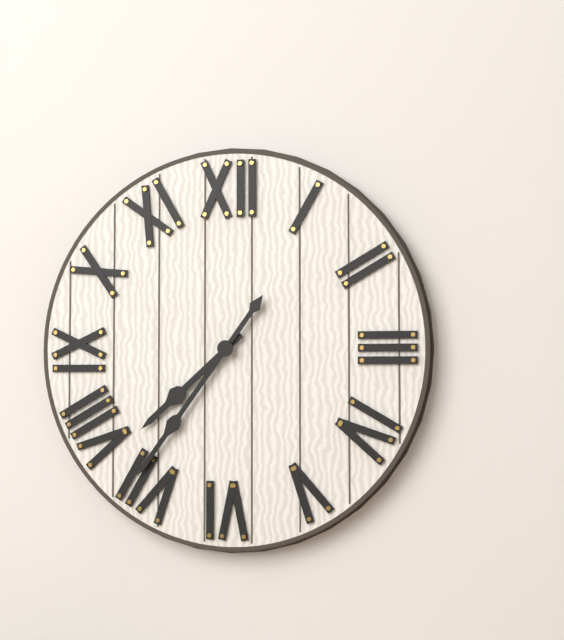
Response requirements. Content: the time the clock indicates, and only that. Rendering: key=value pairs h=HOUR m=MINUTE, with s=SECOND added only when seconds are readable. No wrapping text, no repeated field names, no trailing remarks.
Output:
h=7 m=36
